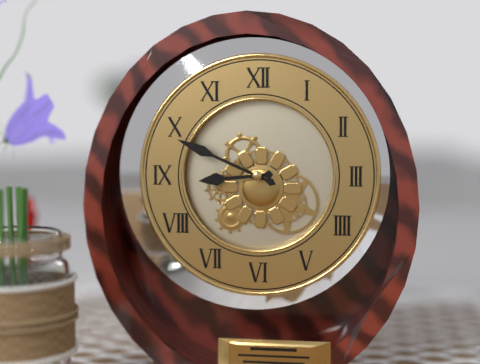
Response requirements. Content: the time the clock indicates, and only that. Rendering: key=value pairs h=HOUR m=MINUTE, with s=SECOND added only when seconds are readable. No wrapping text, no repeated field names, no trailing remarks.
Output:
h=8 m=49
